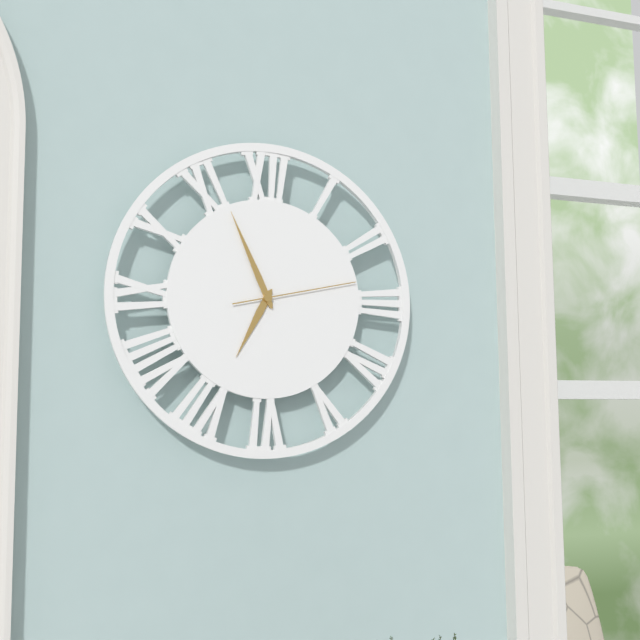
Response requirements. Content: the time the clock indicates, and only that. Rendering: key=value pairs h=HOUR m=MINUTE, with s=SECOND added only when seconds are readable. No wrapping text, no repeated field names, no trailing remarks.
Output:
h=6 m=56 s=13
